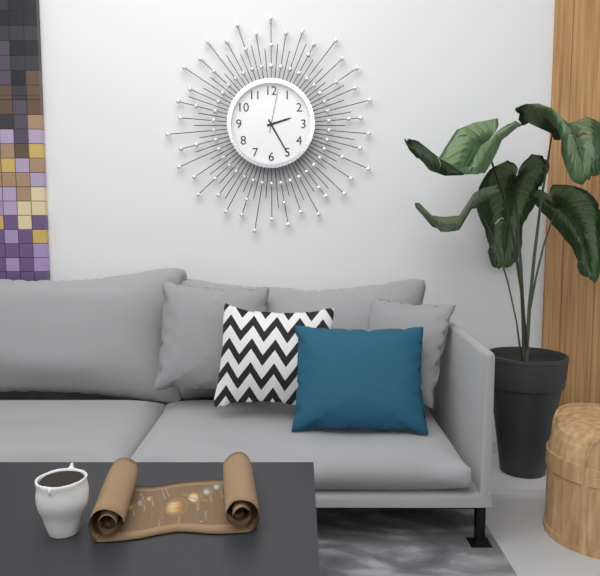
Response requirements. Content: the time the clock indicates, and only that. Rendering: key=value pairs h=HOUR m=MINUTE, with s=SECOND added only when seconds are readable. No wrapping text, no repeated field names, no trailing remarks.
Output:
h=2 m=25
